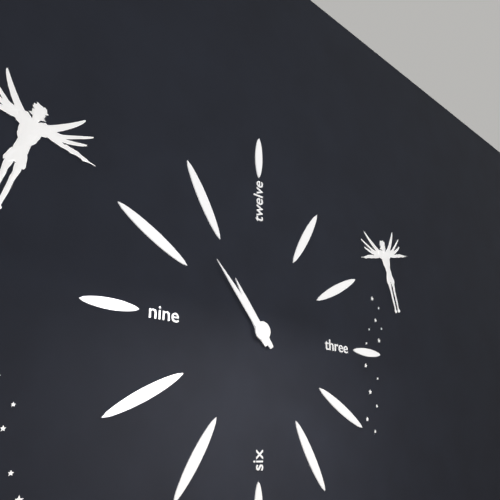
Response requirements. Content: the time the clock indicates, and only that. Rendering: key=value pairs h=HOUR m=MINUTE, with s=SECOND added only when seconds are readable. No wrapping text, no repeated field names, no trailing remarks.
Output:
h=10 m=53
